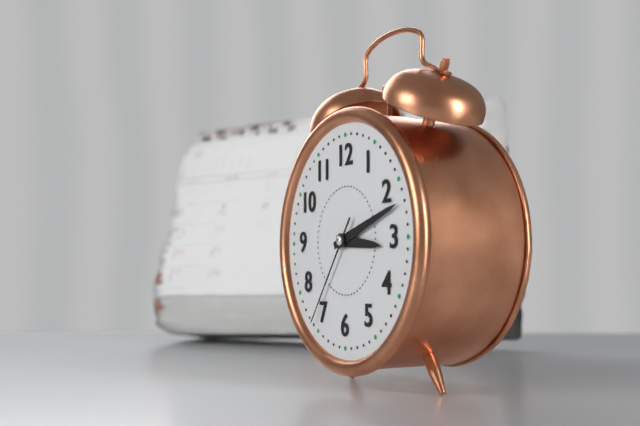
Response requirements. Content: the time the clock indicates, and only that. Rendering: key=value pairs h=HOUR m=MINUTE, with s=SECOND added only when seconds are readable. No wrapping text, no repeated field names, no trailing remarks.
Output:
h=3 m=12 s=36
